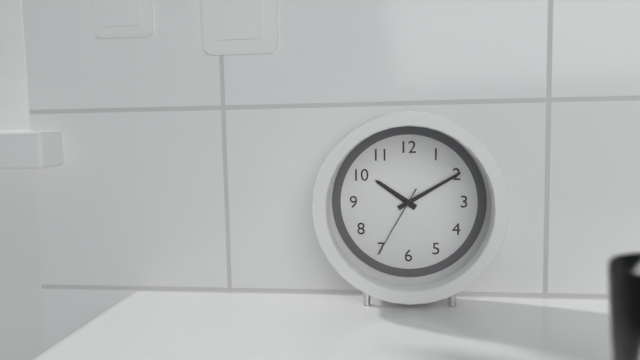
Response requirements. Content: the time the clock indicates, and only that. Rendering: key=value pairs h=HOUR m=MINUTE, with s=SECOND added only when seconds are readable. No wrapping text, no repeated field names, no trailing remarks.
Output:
h=10 m=10 s=35
